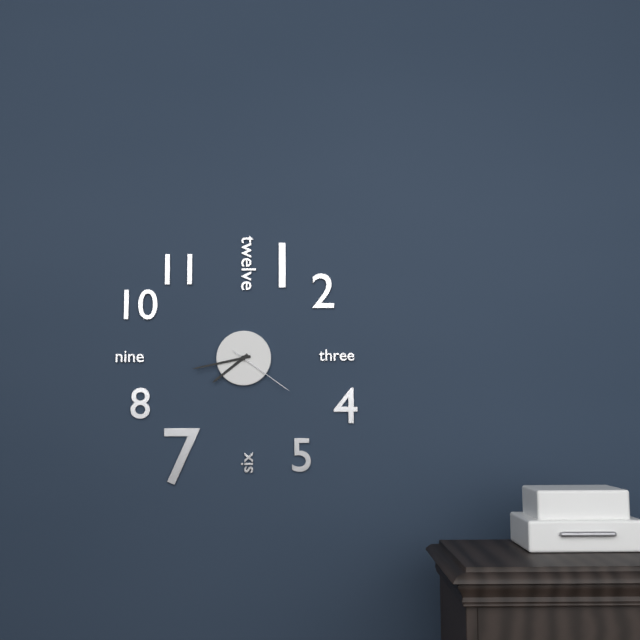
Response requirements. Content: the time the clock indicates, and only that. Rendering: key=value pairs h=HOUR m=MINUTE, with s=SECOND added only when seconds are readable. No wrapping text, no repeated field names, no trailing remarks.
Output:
h=7 m=43 s=21
